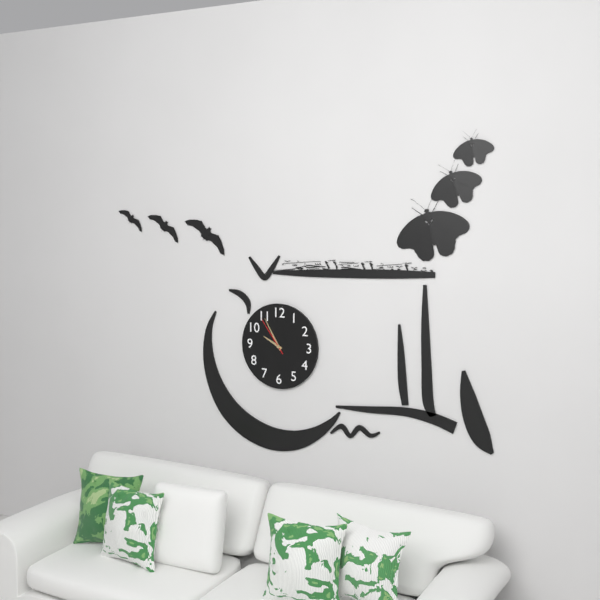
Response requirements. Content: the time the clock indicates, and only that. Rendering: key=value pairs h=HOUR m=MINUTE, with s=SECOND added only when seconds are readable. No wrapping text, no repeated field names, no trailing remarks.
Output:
h=9 m=55
